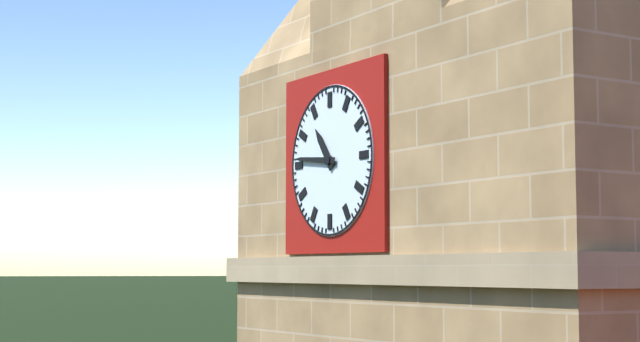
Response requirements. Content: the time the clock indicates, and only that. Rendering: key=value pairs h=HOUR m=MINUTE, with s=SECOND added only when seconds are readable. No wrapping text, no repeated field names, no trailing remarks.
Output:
h=10 m=46
